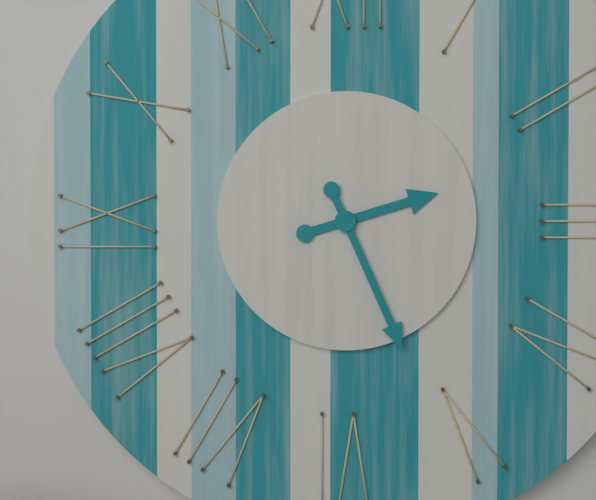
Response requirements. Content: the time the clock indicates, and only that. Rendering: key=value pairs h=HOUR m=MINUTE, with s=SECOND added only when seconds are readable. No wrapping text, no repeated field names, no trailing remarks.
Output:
h=2 m=26
